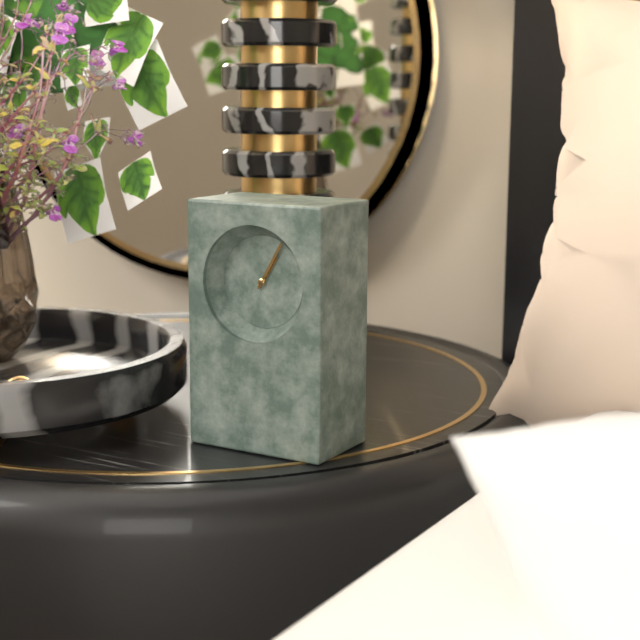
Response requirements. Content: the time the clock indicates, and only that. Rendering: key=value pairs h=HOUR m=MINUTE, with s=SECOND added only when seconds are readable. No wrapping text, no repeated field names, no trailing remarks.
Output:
h=1 m=5
